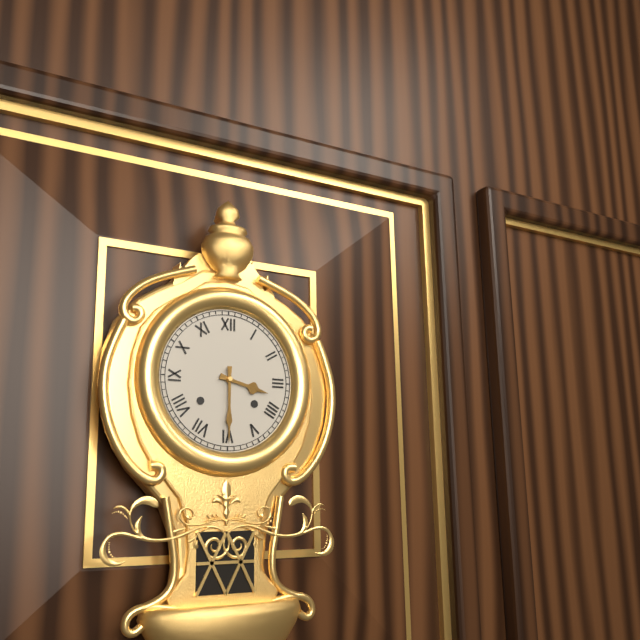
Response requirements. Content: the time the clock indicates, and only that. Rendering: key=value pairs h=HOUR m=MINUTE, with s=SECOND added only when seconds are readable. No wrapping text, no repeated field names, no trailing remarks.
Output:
h=3 m=30
